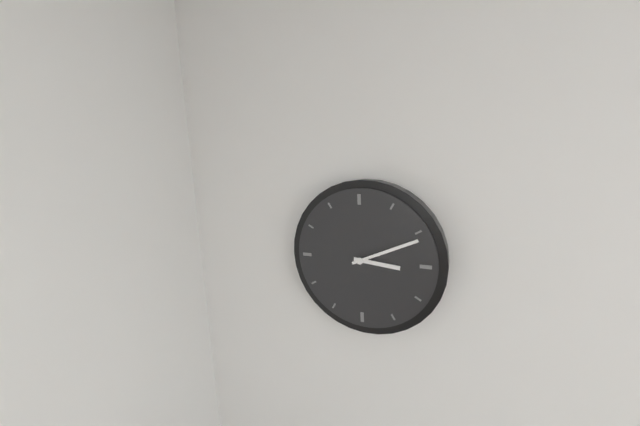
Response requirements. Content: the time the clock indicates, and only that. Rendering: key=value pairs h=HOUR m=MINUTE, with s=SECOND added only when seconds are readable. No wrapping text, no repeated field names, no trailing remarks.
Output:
h=3 m=11
